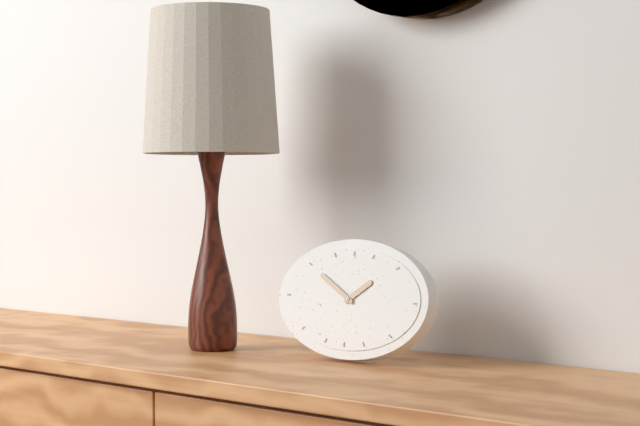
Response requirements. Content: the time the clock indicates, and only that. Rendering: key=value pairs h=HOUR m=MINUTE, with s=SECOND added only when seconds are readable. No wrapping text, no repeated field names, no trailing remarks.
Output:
h=1 m=50
